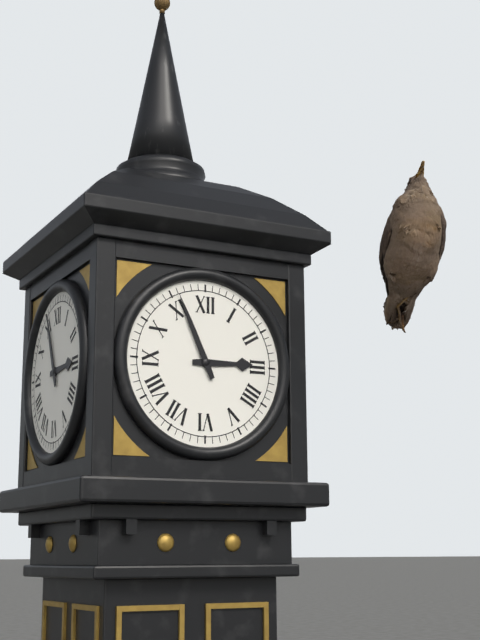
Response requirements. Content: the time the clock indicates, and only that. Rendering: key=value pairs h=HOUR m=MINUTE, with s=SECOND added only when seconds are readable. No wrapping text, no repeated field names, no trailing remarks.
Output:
h=2 m=56
